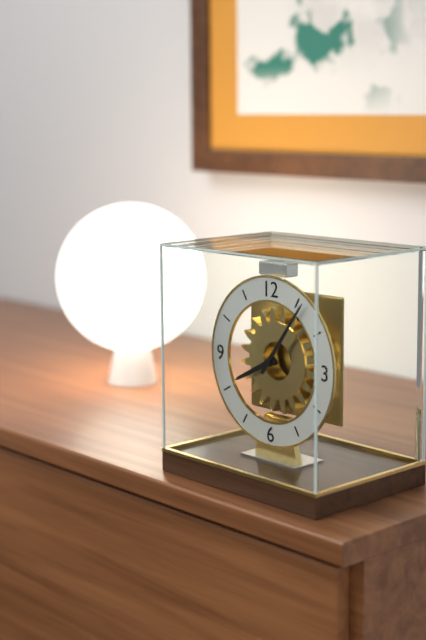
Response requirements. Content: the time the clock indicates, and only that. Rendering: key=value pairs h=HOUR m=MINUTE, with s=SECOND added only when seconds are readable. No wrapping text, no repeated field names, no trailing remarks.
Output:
h=8 m=6
